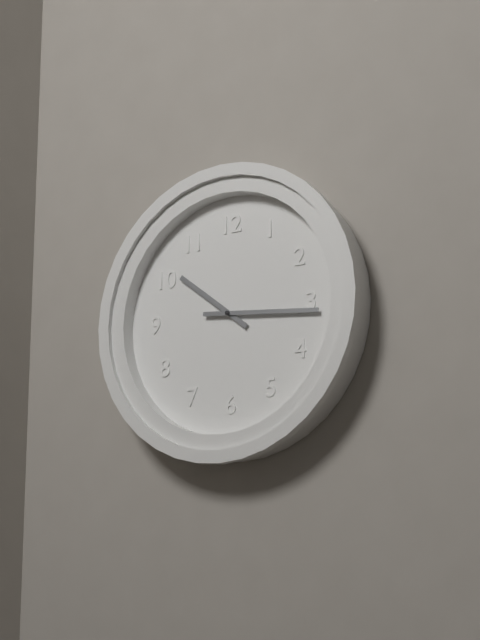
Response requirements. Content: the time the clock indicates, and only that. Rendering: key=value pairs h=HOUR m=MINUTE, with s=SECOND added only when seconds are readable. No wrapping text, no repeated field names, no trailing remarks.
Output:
h=10 m=16
